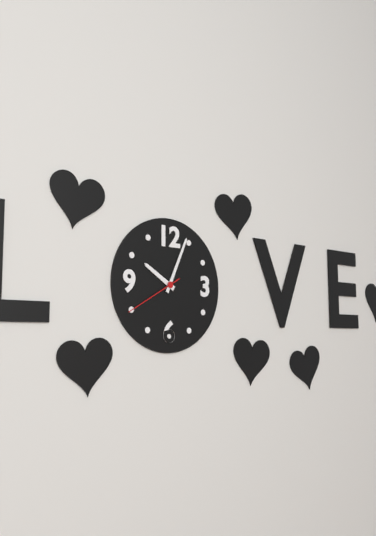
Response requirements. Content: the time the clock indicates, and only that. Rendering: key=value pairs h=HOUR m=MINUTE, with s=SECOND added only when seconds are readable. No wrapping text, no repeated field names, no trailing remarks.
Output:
h=10 m=4 s=40
